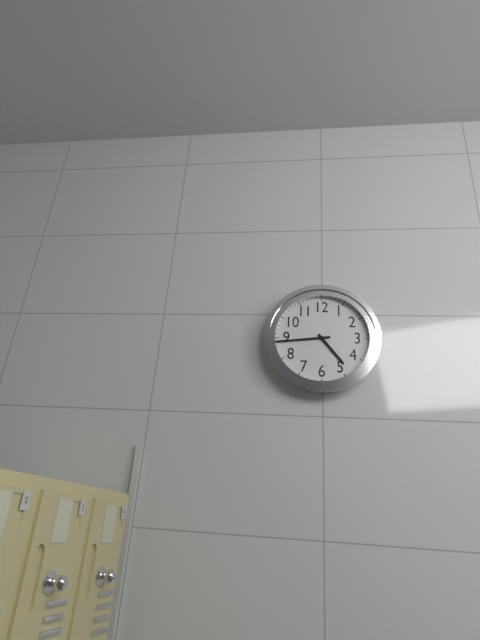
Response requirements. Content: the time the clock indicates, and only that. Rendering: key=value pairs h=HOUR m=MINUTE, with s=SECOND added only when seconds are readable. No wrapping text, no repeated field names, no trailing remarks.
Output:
h=4 m=44
